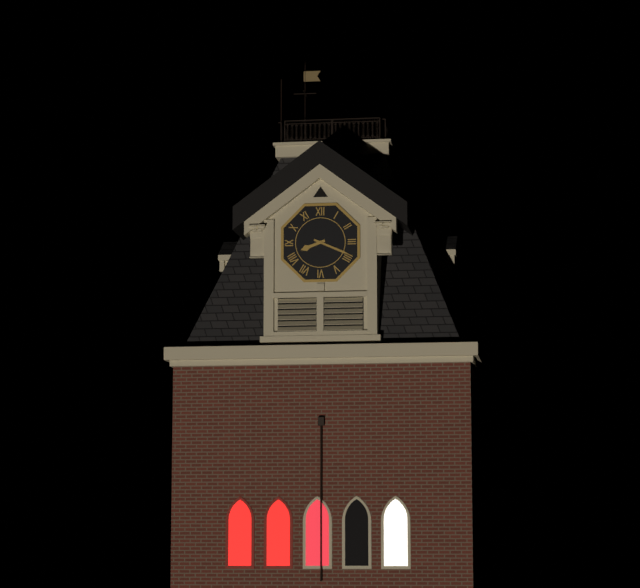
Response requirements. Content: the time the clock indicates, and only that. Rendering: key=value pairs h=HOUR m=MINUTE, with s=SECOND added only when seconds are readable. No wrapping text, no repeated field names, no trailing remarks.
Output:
h=8 m=19
